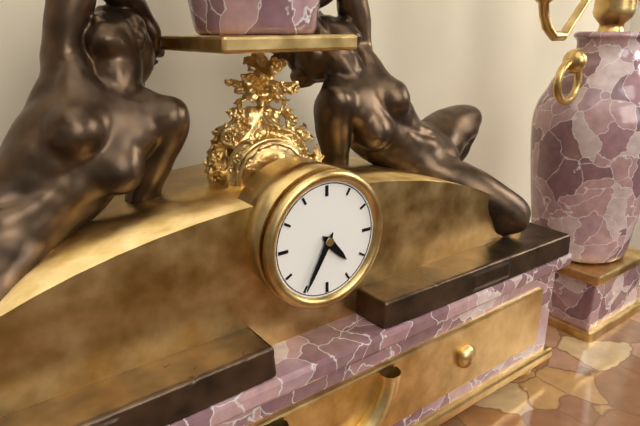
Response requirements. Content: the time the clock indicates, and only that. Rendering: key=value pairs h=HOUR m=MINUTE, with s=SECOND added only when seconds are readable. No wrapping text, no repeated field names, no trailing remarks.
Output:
h=4 m=35
